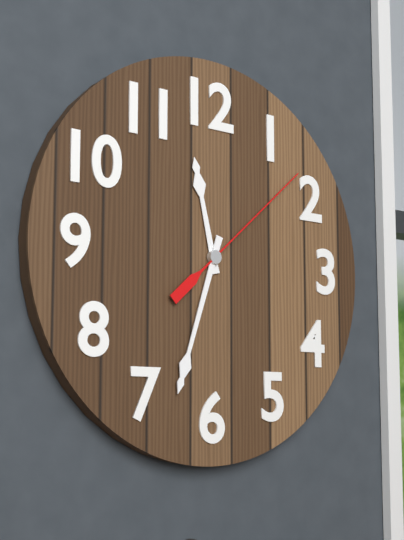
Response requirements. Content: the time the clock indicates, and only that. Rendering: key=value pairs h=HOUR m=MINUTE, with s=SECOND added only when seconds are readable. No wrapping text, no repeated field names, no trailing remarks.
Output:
h=11 m=33 s=8
